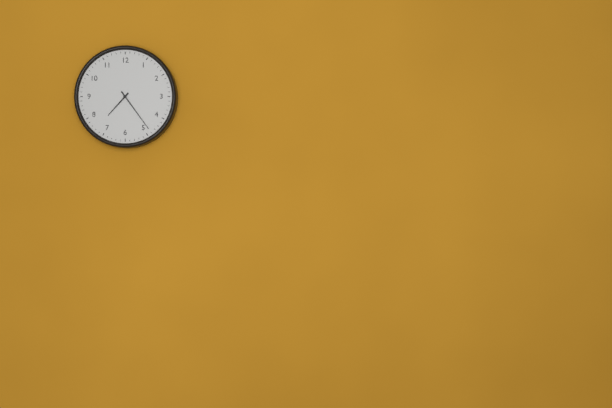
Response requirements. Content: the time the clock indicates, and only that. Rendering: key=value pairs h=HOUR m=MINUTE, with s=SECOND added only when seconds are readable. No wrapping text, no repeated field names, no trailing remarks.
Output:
h=7 m=24
